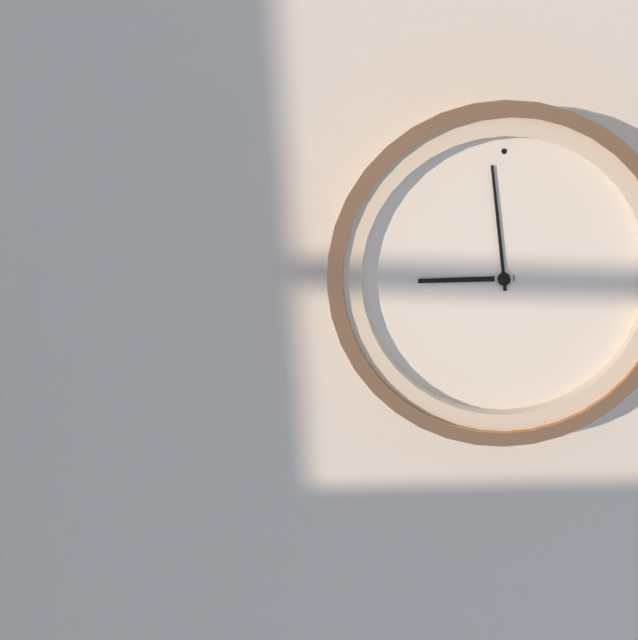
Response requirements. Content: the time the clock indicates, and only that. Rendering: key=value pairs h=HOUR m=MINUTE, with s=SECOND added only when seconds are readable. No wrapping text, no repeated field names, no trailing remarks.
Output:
h=8 m=59
